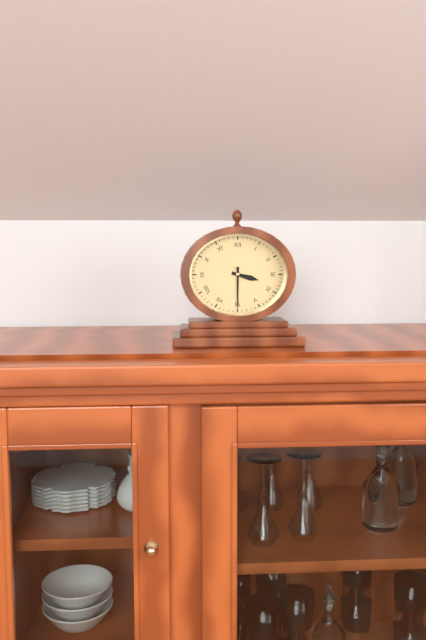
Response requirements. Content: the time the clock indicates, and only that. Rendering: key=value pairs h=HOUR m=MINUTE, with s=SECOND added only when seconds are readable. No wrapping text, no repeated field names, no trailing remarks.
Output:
h=3 m=30
